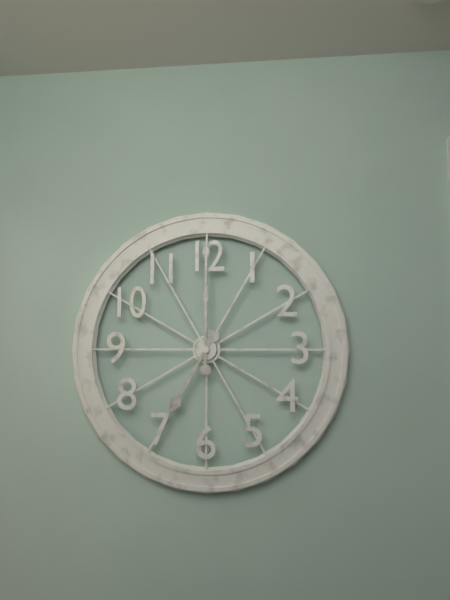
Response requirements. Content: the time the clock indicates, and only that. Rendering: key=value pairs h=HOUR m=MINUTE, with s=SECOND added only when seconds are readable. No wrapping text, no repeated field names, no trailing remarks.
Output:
h=7 m=0
